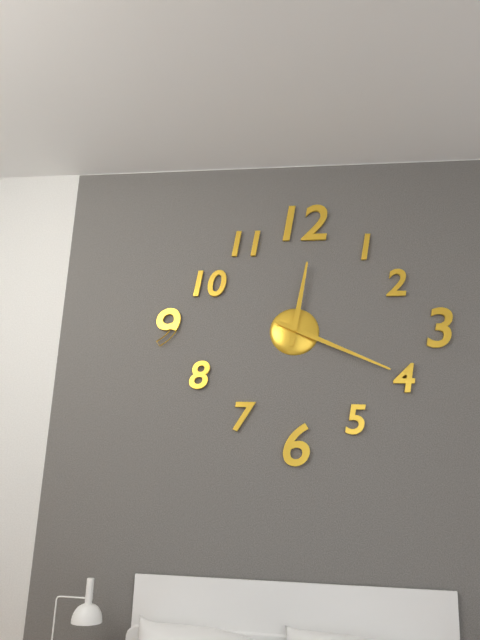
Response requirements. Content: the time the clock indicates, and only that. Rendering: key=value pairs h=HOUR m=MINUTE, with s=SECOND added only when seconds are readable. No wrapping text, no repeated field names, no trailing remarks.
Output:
h=12 m=19
